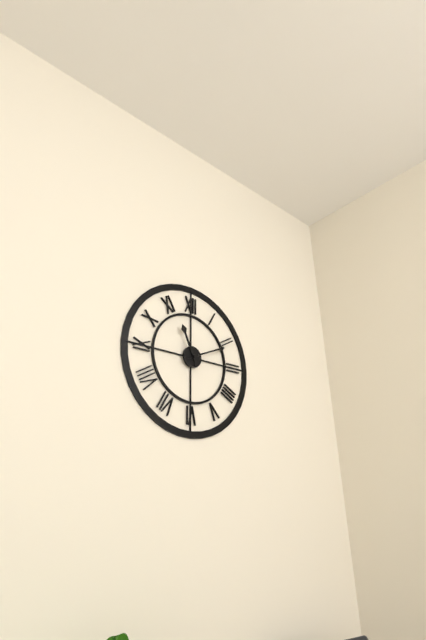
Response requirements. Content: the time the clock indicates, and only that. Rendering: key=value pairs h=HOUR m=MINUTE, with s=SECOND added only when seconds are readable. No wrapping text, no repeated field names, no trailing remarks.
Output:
h=11 m=11
